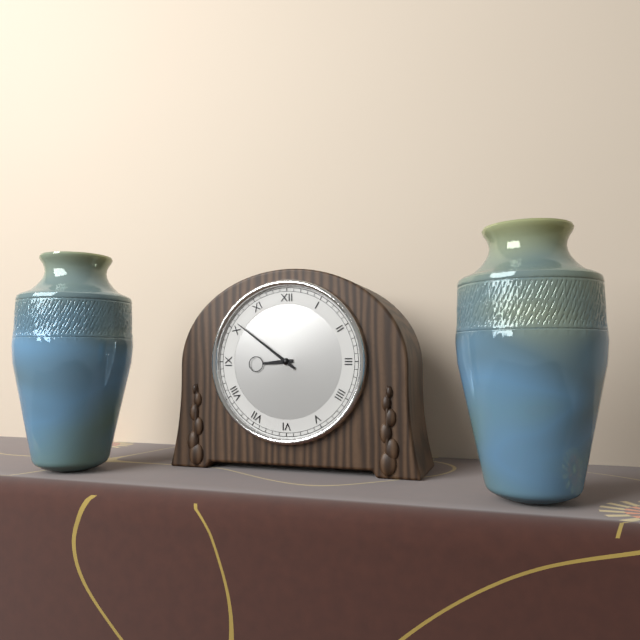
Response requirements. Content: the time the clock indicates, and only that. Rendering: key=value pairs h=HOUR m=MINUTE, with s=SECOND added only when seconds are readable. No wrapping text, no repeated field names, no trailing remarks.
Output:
h=8 m=51
